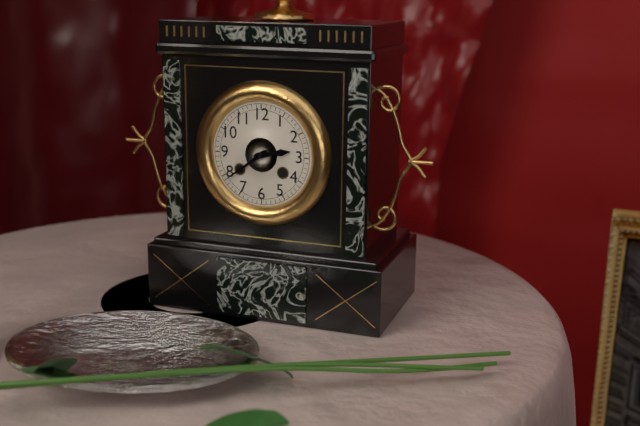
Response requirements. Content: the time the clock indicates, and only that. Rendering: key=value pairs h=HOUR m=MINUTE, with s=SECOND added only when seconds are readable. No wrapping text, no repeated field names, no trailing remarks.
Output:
h=2 m=39
